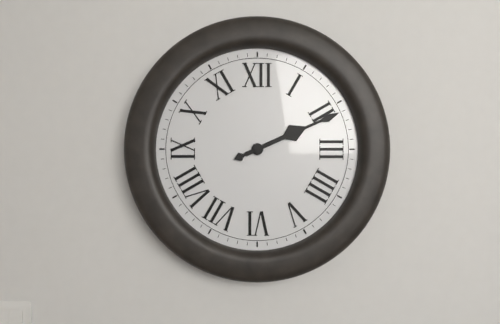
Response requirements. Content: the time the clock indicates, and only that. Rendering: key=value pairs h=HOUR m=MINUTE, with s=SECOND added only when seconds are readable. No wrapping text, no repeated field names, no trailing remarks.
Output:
h=2 m=11
